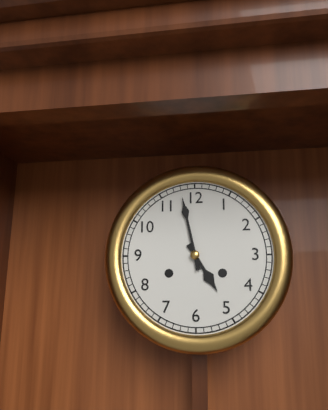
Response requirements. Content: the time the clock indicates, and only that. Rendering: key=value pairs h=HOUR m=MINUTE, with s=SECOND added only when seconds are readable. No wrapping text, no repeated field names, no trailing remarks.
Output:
h=4 m=58
